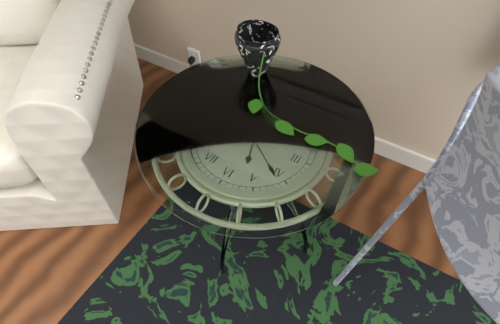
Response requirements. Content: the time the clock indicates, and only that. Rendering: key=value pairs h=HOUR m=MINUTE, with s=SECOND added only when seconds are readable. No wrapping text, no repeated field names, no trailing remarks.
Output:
h=5 m=21
